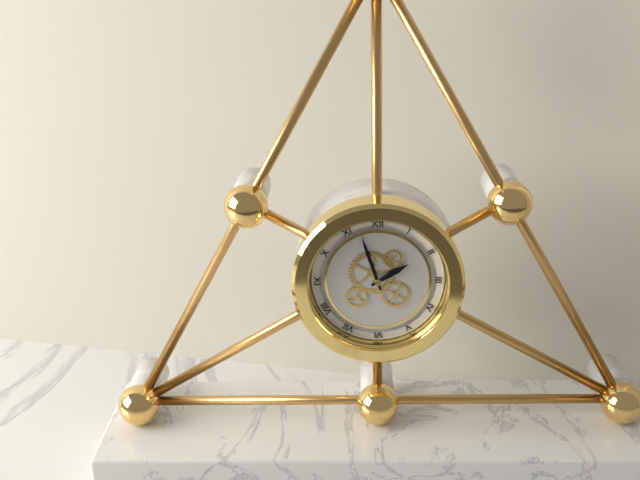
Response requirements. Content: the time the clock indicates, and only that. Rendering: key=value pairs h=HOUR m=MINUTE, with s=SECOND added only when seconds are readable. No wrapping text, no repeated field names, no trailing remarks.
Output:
h=1 m=57
